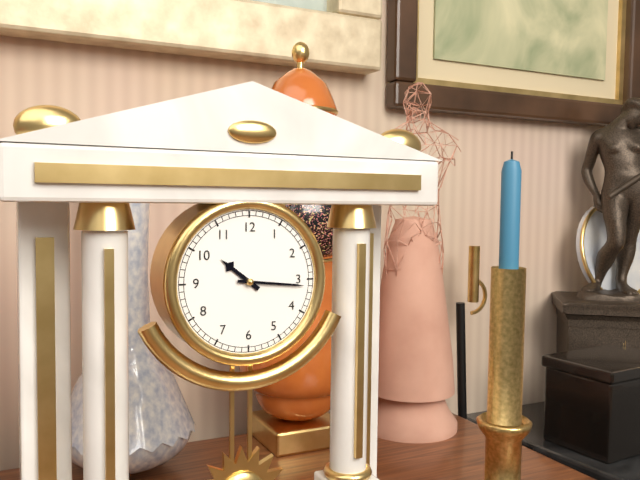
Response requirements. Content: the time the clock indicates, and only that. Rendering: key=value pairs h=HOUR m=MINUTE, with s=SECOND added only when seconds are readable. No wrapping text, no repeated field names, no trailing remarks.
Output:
h=10 m=16
